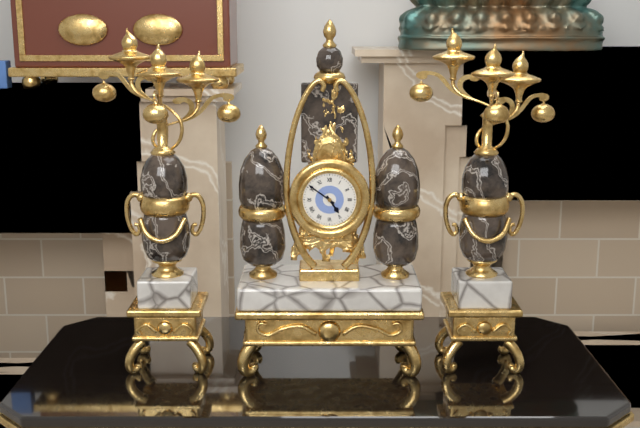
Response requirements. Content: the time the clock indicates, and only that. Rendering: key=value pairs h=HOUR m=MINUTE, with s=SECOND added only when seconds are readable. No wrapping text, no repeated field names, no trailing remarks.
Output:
h=4 m=51
